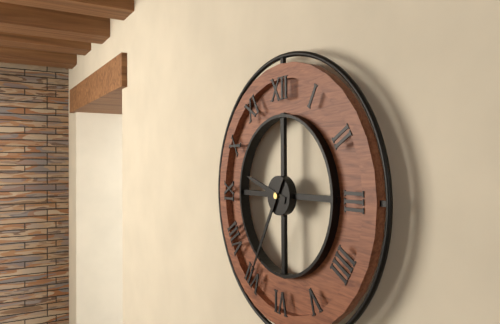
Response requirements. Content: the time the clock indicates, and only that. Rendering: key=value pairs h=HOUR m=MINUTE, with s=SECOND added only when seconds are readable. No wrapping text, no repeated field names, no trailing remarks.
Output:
h=9 m=35
